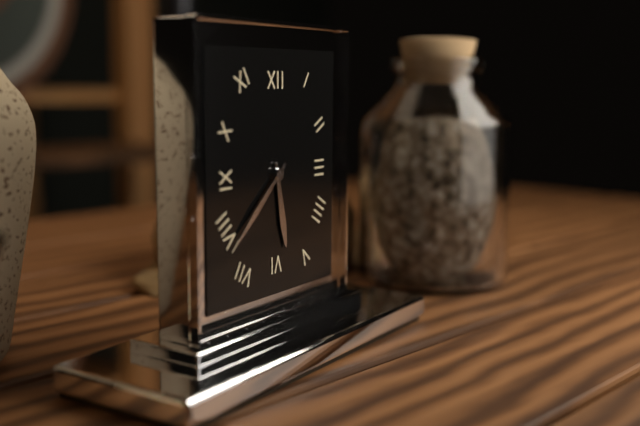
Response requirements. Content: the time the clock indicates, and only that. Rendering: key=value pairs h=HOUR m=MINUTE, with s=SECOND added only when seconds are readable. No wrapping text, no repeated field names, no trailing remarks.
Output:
h=5 m=38
